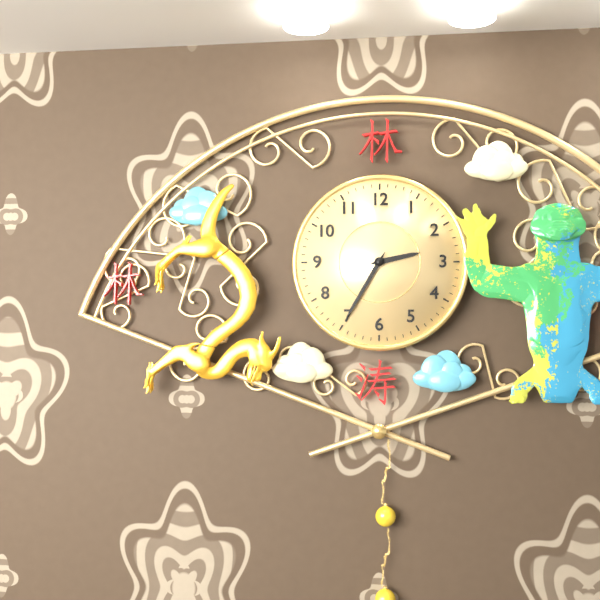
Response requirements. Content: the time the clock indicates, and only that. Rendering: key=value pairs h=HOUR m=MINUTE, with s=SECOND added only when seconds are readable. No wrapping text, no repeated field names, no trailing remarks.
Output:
h=2 m=35
